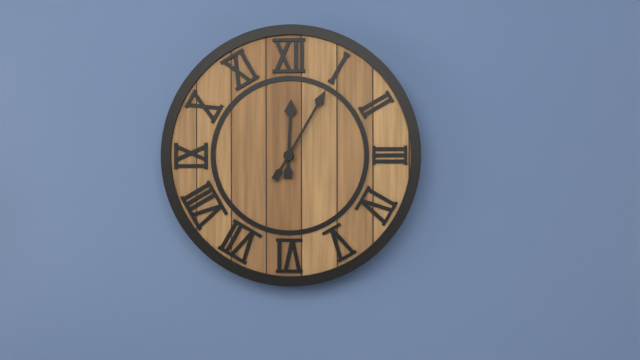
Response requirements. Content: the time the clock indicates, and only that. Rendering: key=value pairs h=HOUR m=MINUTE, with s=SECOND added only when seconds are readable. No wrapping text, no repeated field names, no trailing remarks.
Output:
h=12 m=5
